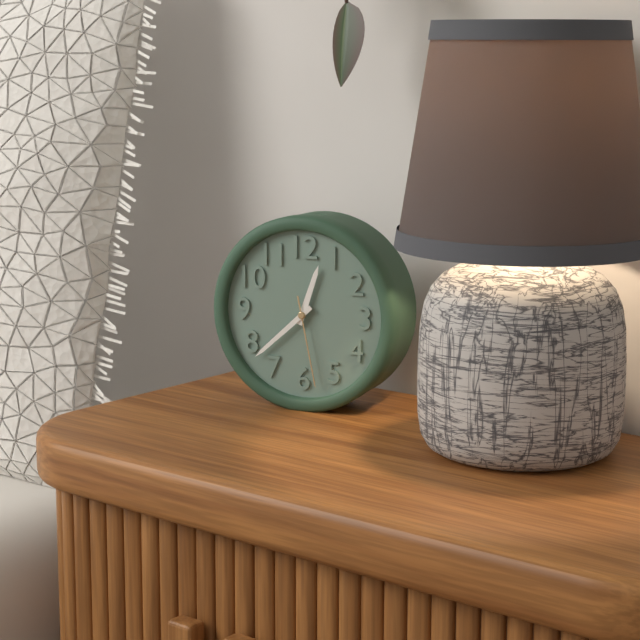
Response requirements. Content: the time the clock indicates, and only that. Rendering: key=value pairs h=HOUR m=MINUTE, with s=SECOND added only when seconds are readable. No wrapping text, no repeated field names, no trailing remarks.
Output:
h=12 m=38 s=28
